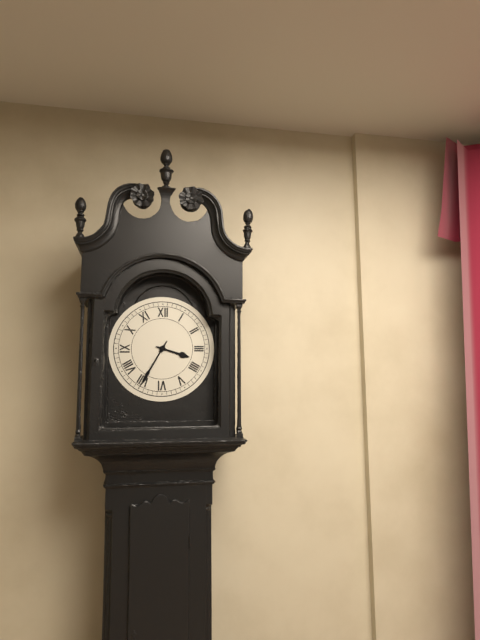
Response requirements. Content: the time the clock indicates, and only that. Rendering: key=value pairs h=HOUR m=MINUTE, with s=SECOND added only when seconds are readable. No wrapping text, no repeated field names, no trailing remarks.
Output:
h=3 m=35
